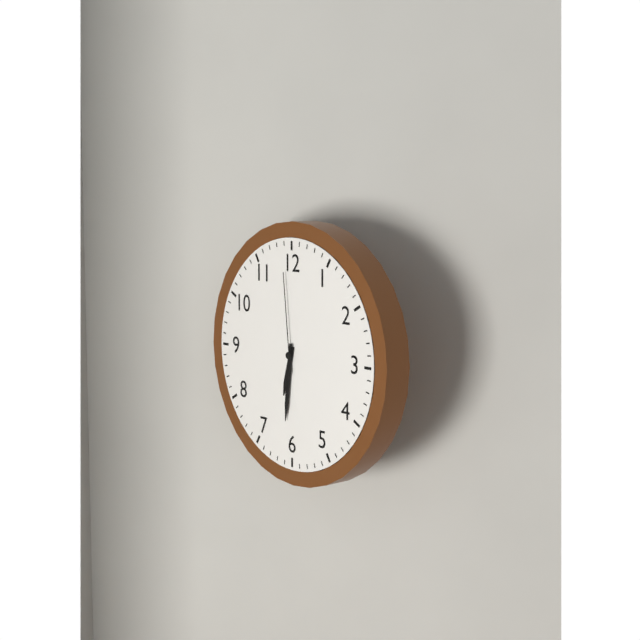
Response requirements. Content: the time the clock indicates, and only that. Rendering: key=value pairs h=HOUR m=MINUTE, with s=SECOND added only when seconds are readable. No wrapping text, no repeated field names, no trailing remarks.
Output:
h=6 m=31 s=59
